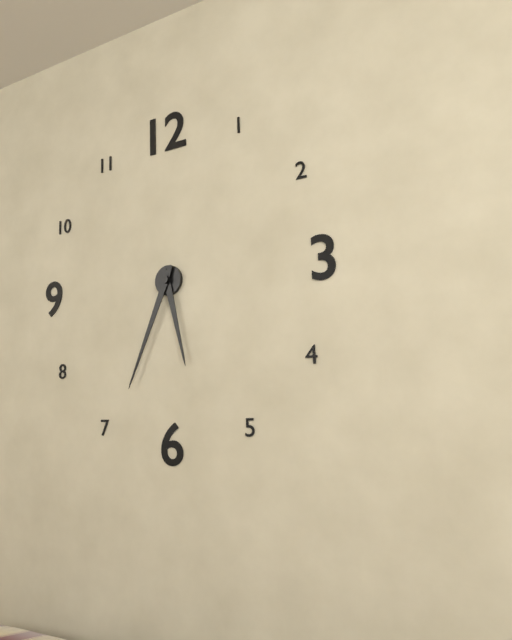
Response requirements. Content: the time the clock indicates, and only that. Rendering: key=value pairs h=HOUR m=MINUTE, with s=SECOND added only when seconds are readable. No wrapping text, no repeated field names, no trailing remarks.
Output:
h=5 m=34
